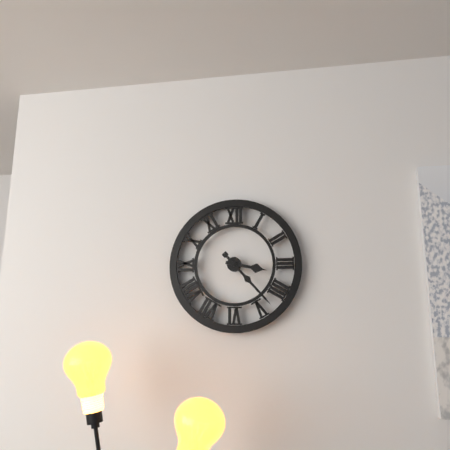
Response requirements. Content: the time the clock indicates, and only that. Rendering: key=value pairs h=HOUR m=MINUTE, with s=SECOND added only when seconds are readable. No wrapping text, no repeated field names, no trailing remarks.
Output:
h=3 m=23
